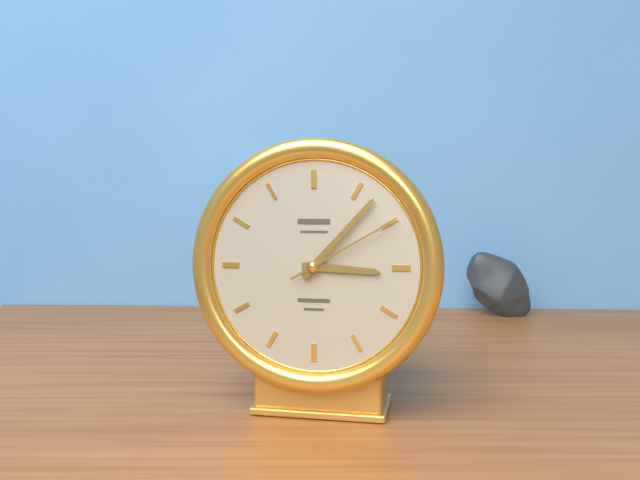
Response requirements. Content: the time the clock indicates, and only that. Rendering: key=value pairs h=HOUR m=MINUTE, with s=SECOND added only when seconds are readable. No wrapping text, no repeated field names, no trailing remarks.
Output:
h=3 m=7 s=10
